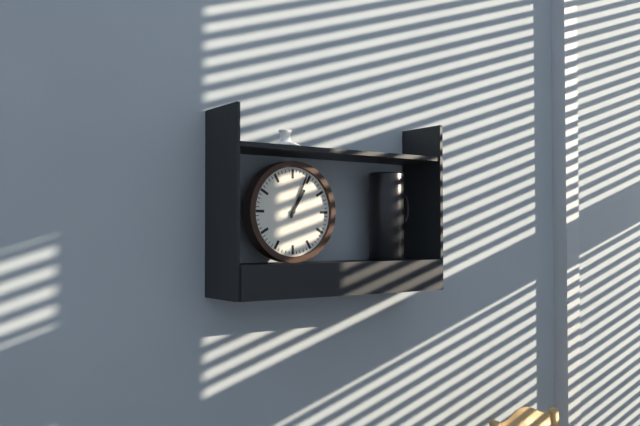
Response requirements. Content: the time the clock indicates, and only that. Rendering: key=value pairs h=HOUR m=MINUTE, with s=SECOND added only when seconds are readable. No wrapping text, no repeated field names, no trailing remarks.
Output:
h=1 m=4
